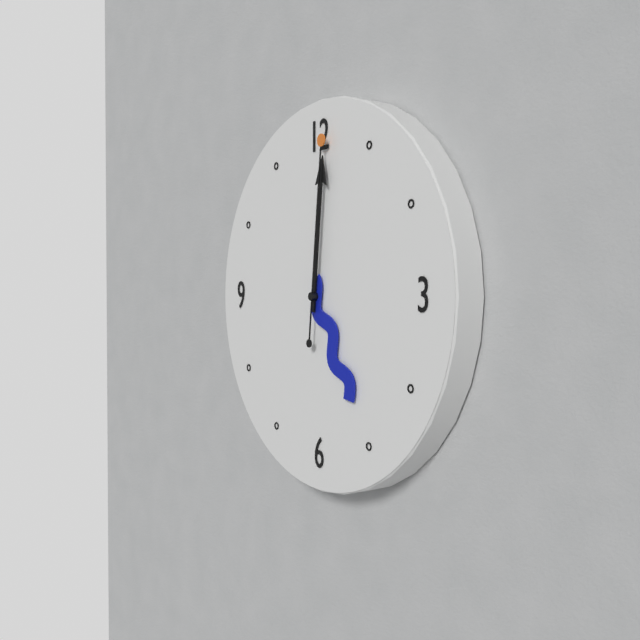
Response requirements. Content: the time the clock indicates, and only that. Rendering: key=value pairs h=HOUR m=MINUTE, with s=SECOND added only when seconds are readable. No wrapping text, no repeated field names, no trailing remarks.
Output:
h=5 m=1 s=1
